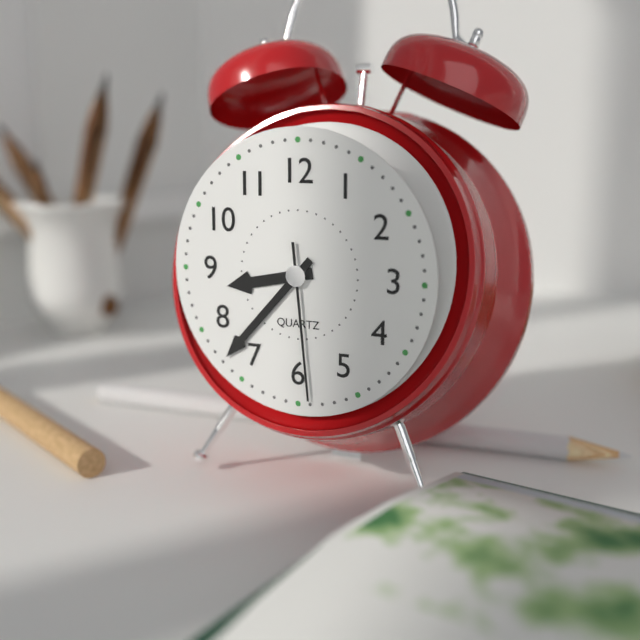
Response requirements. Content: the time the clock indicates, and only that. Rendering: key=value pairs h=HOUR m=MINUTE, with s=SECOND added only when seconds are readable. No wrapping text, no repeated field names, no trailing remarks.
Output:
h=8 m=37 s=29
